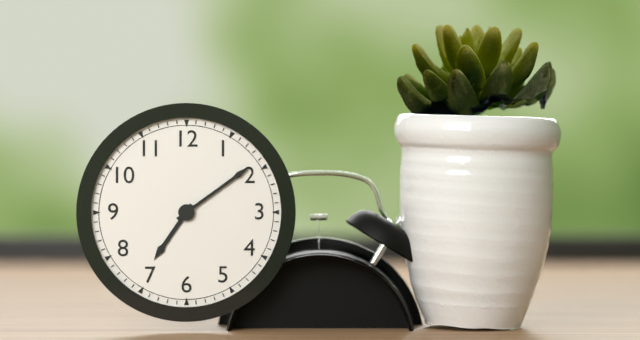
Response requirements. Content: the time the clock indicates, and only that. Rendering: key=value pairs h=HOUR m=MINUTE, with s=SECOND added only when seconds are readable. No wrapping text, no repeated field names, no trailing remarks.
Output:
h=7 m=9
